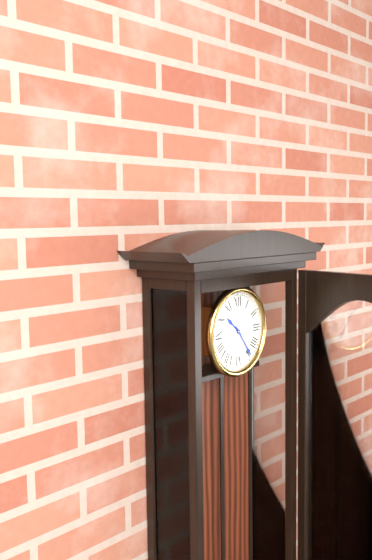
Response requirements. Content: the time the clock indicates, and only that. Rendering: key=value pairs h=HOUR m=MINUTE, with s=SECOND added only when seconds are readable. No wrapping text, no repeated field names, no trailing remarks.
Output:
h=10 m=24
